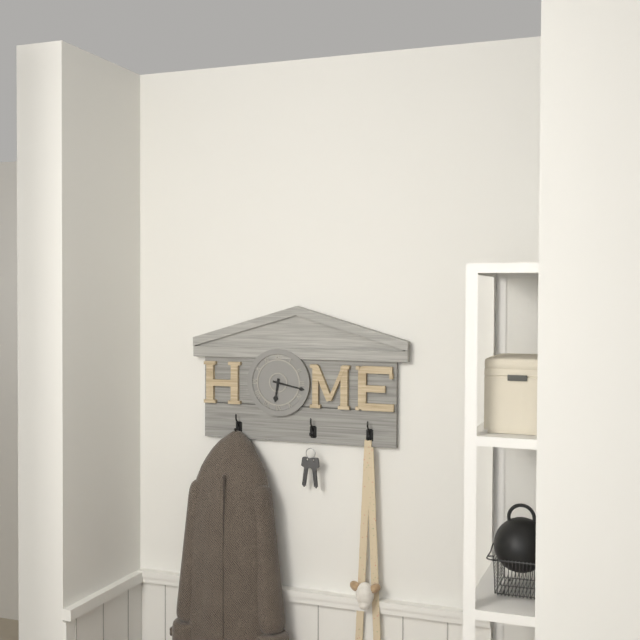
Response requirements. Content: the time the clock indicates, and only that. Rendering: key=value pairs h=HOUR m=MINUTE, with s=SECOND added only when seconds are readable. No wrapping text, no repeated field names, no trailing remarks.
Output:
h=6 m=17
